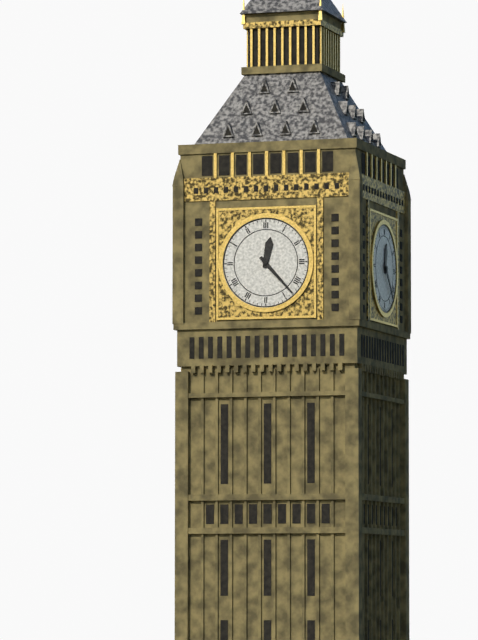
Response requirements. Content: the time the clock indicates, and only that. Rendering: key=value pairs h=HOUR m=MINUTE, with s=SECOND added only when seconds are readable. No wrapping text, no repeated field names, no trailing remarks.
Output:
h=12 m=23
